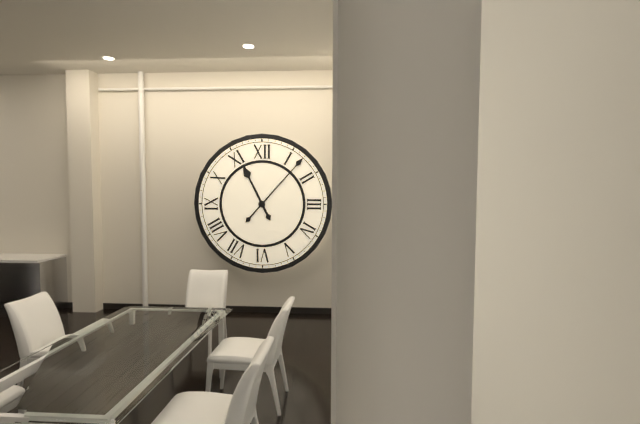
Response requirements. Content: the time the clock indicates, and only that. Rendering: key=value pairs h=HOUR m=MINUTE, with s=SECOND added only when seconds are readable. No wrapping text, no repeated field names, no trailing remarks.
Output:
h=11 m=7
